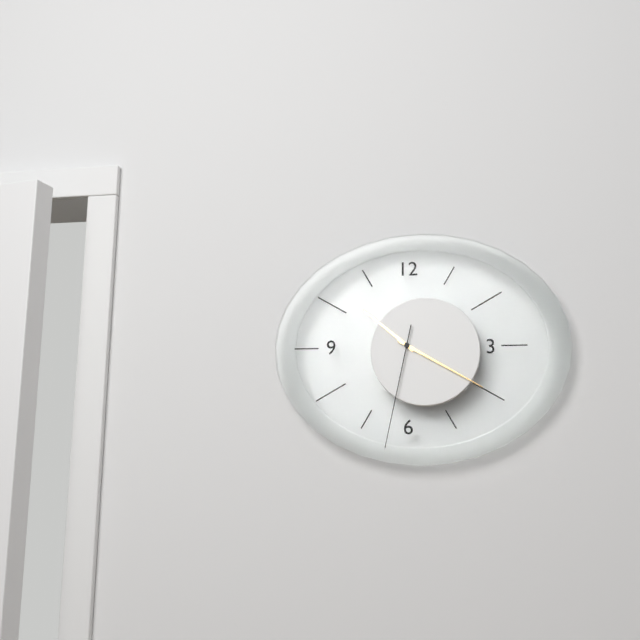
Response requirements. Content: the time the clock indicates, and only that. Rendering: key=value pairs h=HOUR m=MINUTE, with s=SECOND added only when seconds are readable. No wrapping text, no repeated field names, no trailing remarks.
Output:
h=10 m=20 s=32
